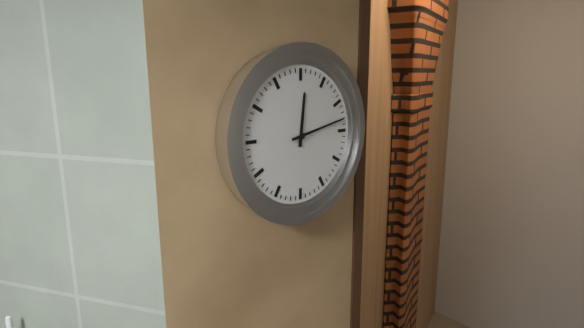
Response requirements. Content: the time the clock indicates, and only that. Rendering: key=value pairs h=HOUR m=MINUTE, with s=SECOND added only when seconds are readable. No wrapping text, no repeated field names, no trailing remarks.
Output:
h=12 m=13
